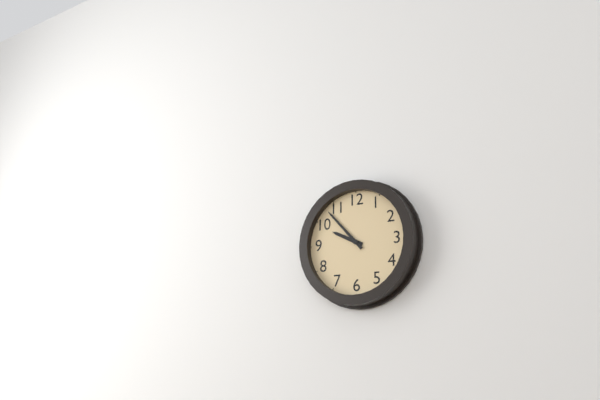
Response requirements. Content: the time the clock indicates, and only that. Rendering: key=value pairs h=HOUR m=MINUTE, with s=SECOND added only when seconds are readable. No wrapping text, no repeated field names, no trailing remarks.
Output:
h=9 m=53
